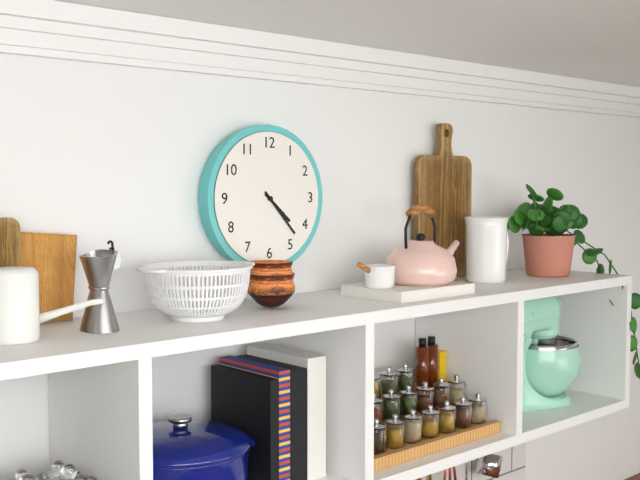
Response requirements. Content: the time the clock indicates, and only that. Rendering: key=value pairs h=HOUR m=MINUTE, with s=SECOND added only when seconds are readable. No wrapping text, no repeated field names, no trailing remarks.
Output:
h=4 m=23
